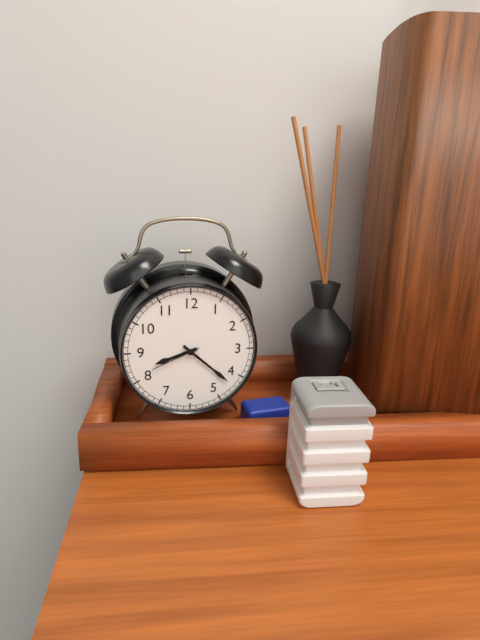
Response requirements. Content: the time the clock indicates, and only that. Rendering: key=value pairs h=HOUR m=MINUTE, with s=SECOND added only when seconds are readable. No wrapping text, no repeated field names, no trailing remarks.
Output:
h=8 m=22 s=41
